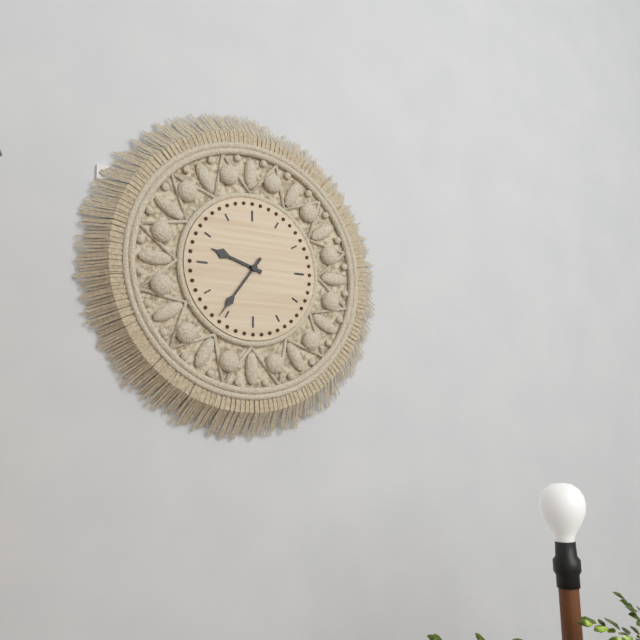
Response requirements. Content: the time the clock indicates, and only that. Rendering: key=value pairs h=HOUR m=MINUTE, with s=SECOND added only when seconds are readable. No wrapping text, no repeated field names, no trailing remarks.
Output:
h=9 m=36
